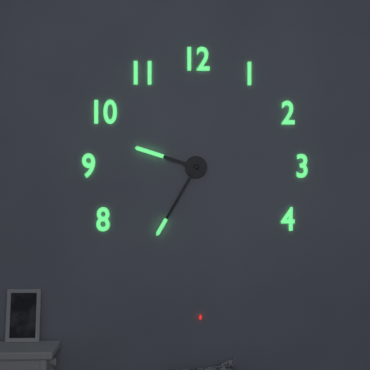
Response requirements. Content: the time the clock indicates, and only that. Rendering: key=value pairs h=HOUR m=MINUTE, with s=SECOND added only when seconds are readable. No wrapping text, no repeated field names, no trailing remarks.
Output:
h=9 m=35
